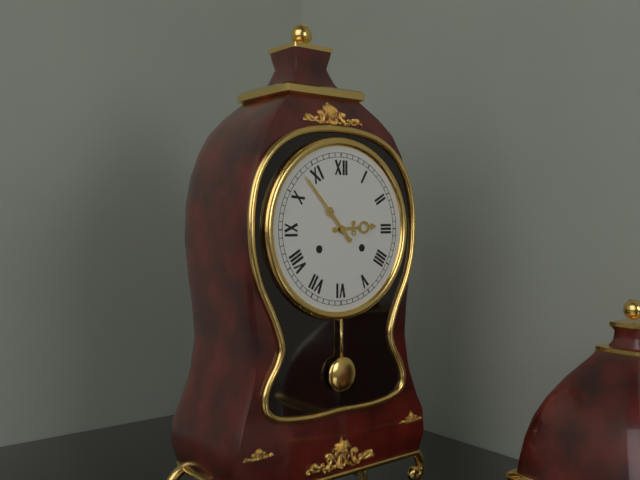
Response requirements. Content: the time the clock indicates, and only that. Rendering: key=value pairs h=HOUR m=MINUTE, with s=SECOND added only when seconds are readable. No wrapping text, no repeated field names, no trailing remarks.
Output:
h=2 m=53
